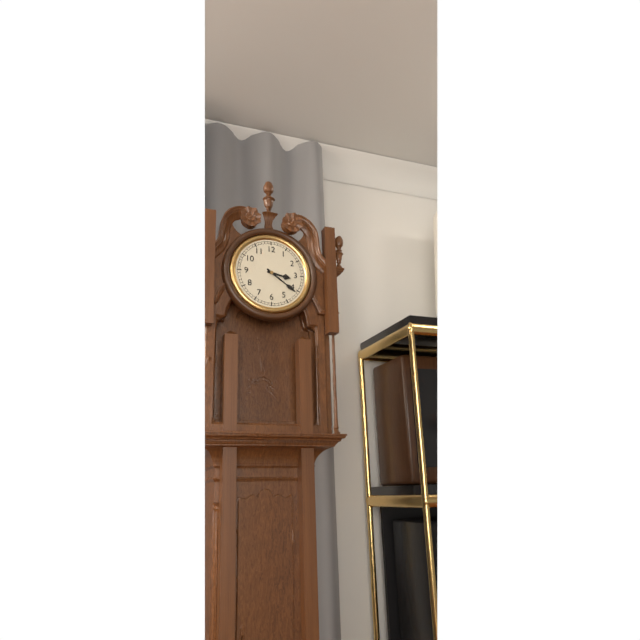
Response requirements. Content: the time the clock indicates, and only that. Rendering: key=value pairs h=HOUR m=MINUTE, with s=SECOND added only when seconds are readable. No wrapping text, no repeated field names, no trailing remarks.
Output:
h=3 m=21
